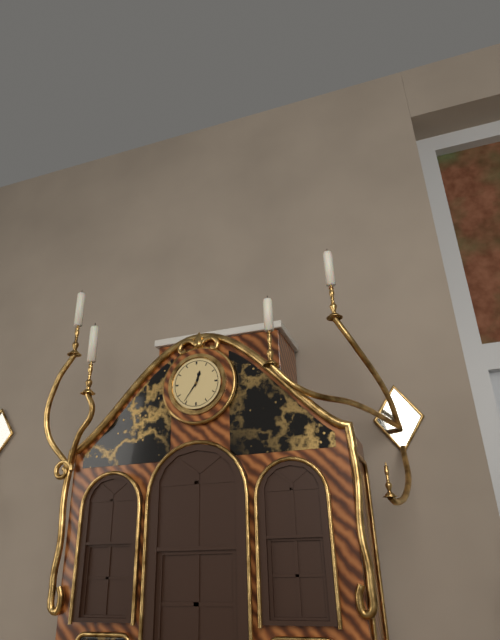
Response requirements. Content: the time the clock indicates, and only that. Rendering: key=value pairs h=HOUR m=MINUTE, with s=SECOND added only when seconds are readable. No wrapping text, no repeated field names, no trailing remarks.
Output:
h=12 m=36
